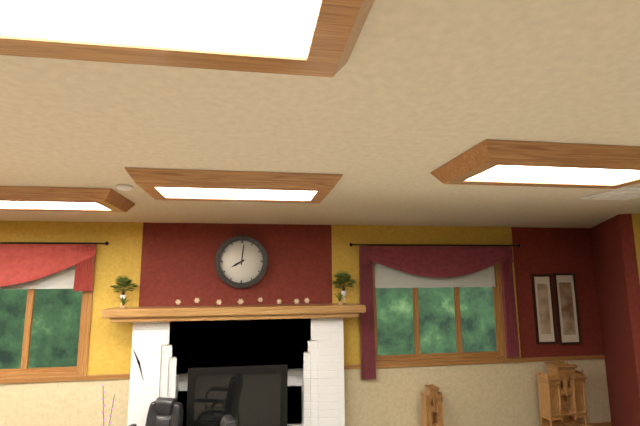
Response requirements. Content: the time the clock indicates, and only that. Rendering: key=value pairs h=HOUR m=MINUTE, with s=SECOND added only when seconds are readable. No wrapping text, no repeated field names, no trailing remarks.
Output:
h=8 m=1
